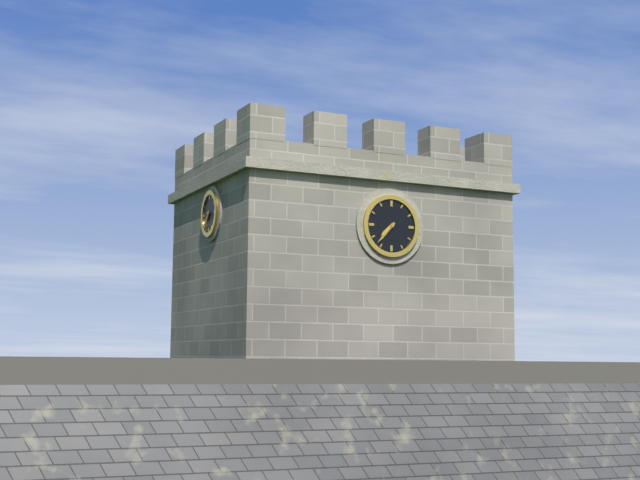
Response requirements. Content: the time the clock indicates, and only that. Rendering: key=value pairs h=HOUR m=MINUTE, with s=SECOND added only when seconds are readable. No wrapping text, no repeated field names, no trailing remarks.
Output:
h=7 m=37
